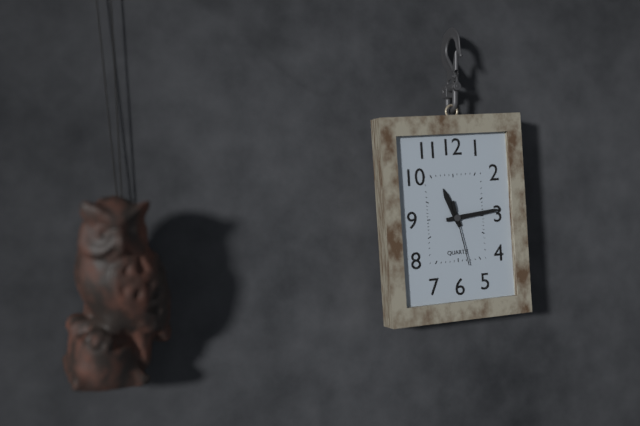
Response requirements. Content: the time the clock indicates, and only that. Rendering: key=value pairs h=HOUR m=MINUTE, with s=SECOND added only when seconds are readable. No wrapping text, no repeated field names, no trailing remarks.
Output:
h=11 m=14 s=28
